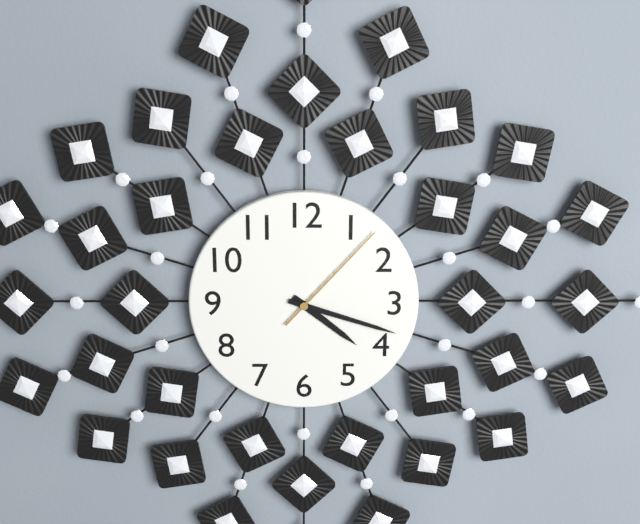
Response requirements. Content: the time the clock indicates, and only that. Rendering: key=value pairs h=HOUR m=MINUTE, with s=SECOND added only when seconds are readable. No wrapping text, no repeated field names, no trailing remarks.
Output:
h=4 m=18 s=7
